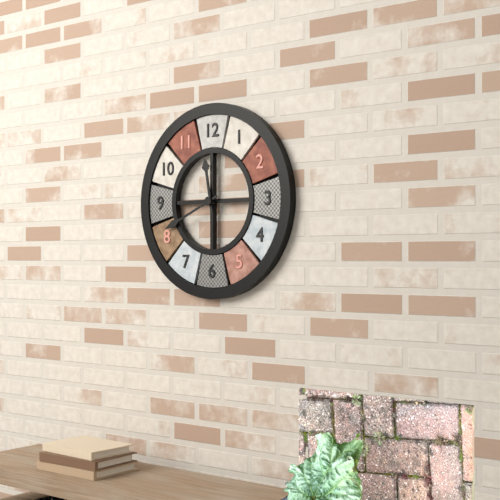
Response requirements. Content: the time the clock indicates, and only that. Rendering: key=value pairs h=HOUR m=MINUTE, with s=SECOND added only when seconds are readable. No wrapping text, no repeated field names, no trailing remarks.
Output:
h=11 m=41
